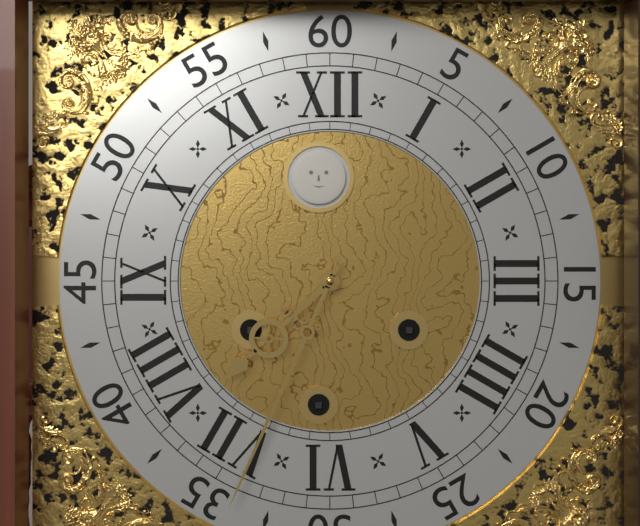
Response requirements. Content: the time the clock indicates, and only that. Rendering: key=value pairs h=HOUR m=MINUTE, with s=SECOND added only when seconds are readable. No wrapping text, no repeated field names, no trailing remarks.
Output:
h=7 m=34
